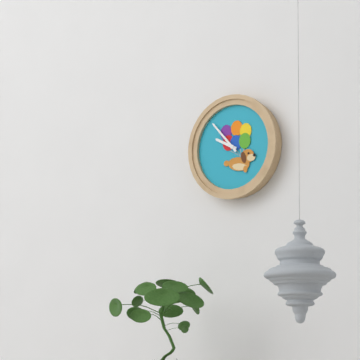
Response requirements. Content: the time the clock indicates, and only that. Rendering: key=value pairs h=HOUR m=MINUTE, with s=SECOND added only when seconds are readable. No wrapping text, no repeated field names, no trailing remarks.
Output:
h=9 m=53
